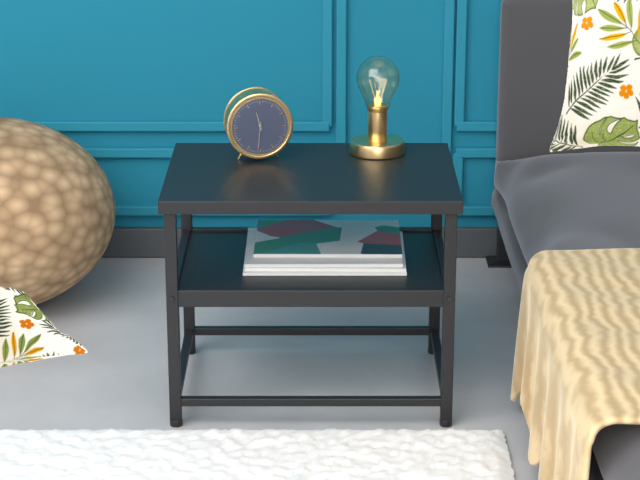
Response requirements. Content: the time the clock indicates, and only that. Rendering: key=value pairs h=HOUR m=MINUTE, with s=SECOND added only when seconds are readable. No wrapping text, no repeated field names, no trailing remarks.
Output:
h=11 m=31
